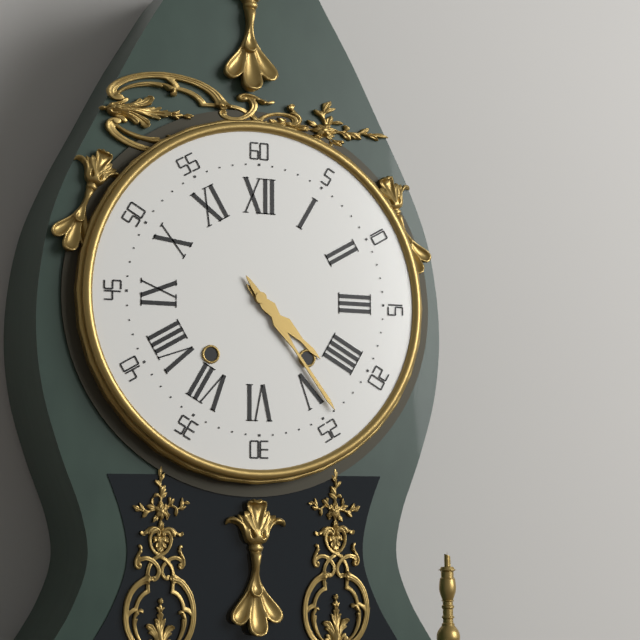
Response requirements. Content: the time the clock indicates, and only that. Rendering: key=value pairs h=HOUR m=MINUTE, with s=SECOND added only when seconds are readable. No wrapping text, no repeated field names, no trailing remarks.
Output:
h=4 m=24
